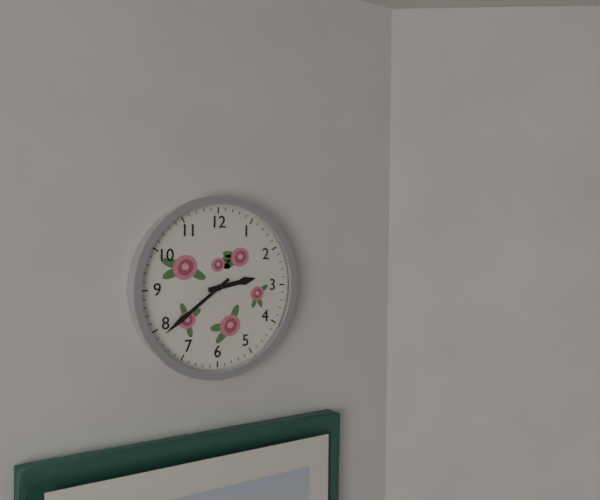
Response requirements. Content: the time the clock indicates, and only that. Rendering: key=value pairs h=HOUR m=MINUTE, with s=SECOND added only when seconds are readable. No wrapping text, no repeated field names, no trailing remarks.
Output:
h=2 m=39
